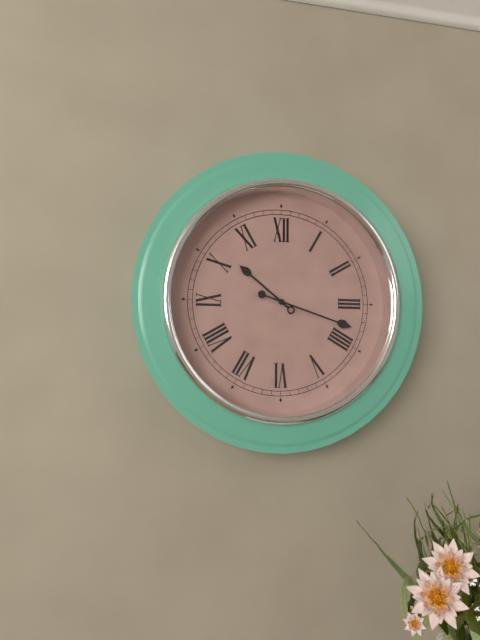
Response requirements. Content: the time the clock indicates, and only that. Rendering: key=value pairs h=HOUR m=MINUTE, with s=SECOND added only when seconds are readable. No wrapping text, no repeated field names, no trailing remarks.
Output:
h=10 m=18
